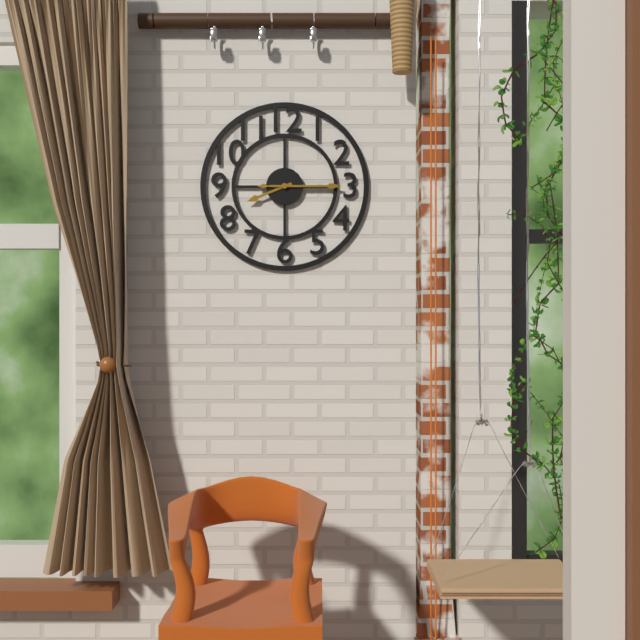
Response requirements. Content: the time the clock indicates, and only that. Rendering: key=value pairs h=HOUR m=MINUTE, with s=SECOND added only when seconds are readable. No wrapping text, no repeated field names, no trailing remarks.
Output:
h=8 m=15
